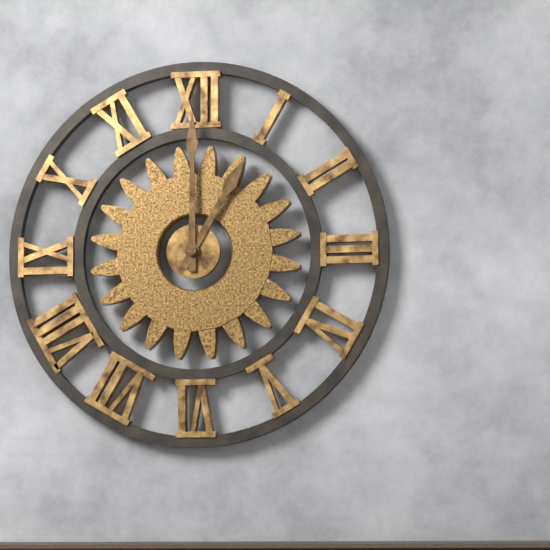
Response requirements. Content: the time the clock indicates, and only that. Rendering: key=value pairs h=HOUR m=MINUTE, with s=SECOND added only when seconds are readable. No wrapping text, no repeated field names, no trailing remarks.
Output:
h=1 m=0
